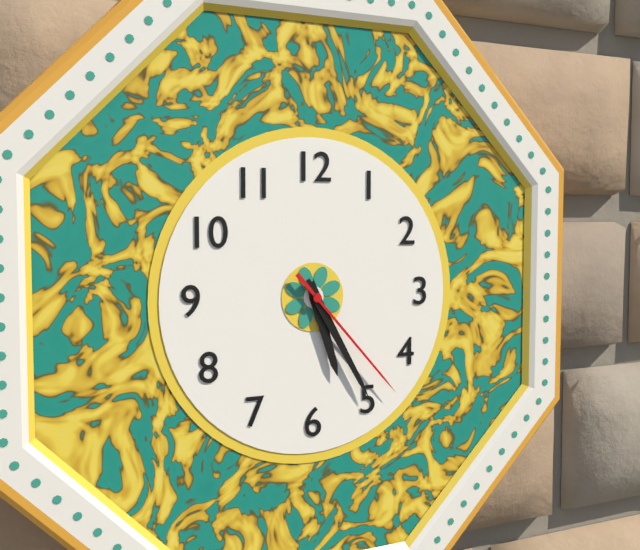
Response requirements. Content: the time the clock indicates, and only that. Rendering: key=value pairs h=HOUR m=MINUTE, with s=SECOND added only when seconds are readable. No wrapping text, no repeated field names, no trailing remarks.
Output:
h=5 m=25 s=23
